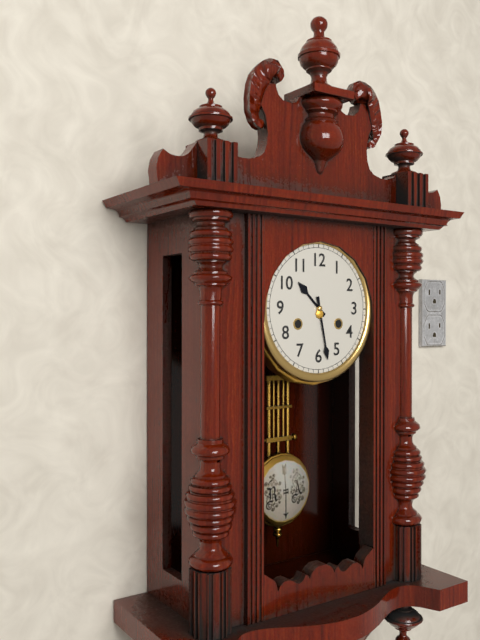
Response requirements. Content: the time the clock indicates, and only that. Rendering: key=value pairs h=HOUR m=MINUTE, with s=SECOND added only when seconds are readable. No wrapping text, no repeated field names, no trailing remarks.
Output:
h=10 m=28
